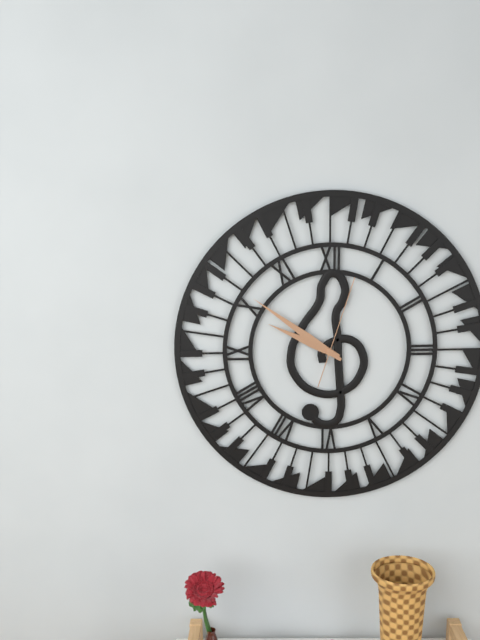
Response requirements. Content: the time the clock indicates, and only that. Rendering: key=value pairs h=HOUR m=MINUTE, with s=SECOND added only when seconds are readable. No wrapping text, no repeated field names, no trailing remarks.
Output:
h=9 m=51 s=3
